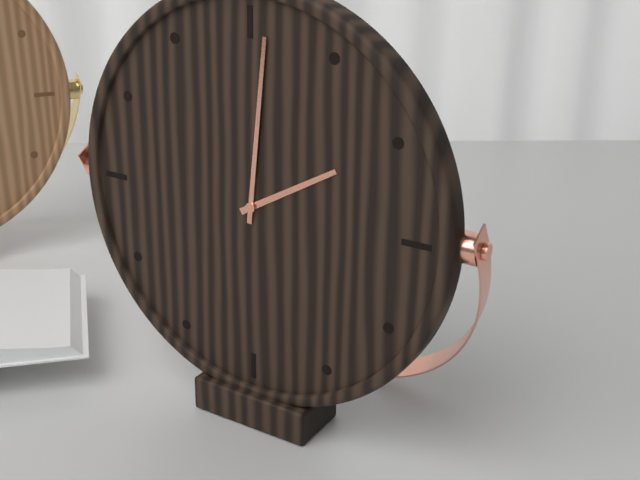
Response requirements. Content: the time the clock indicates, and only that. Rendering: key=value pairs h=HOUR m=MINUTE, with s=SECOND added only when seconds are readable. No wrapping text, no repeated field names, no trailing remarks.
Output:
h=2 m=1
